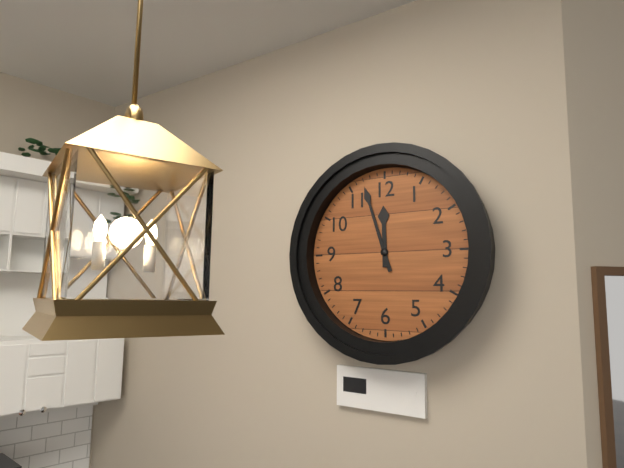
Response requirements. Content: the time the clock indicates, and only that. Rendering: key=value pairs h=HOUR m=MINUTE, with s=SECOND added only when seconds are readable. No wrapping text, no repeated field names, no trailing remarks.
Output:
h=11 m=57
